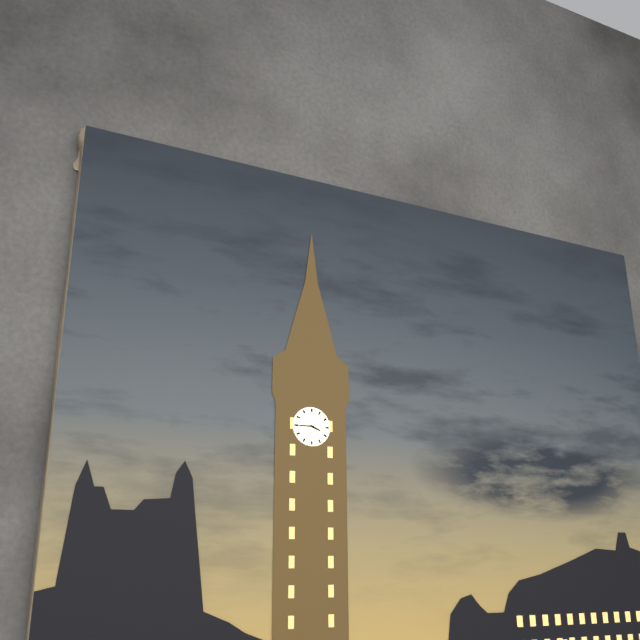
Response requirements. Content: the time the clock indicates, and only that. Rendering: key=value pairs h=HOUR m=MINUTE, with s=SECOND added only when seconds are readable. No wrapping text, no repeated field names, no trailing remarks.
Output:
h=3 m=45
